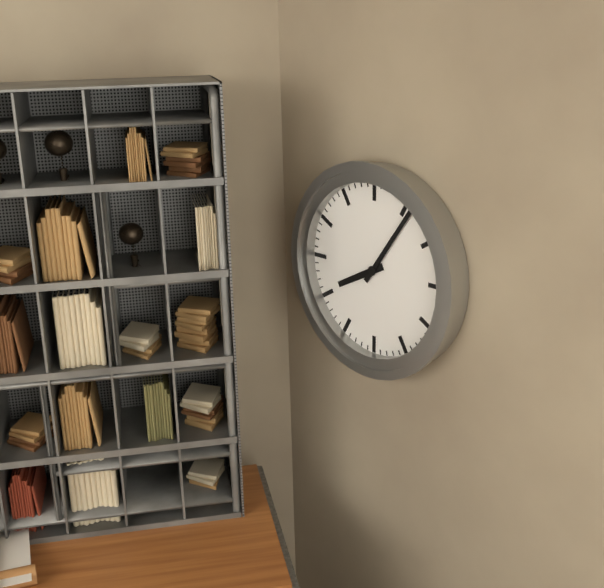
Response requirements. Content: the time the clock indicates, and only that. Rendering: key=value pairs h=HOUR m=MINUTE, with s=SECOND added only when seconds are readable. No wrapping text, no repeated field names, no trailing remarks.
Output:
h=8 m=6
